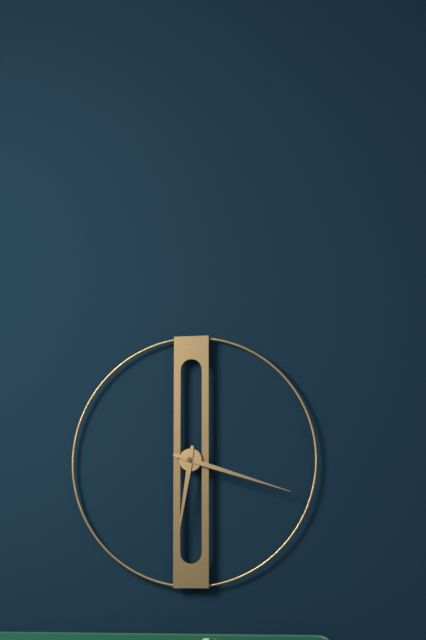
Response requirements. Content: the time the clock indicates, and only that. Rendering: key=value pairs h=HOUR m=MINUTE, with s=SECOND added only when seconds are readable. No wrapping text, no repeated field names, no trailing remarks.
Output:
h=6 m=18
